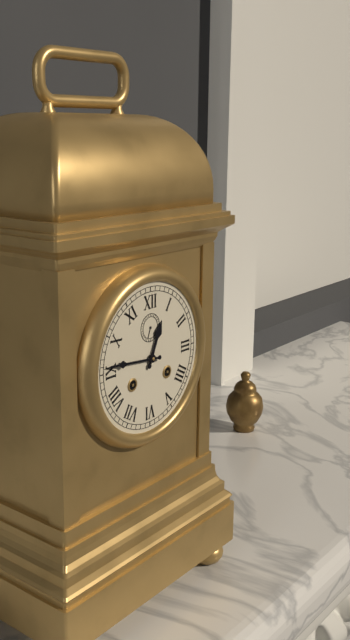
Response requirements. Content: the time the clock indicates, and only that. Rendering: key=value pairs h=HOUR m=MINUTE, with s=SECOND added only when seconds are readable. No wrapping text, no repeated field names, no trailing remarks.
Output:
h=12 m=46
